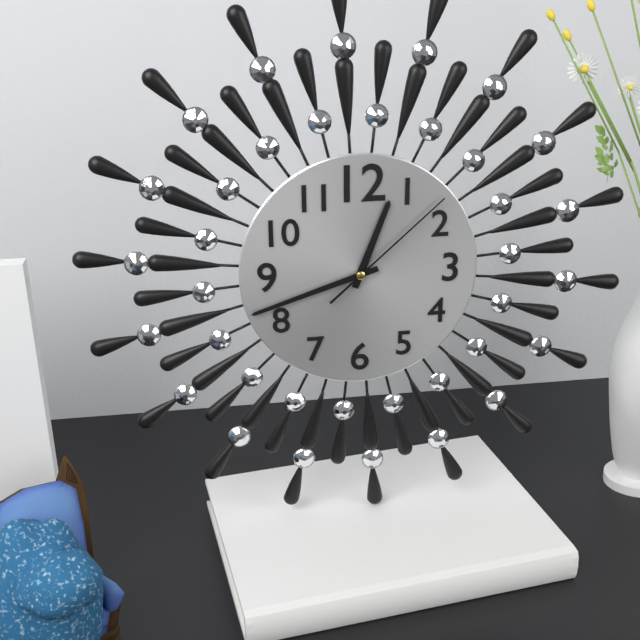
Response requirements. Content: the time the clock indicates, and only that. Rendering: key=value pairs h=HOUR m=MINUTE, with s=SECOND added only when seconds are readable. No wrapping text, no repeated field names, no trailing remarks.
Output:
h=12 m=42 s=8
